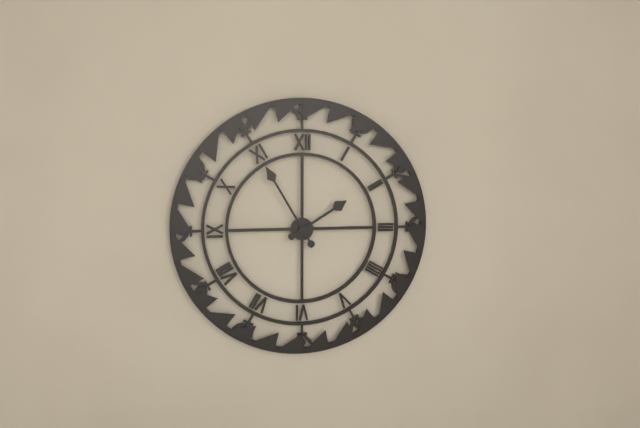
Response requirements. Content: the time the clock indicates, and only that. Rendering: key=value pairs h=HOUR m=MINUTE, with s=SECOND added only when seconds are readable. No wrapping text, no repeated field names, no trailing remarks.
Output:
h=1 m=55
